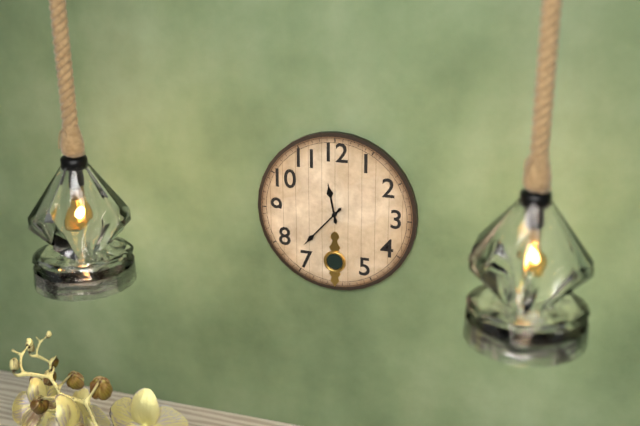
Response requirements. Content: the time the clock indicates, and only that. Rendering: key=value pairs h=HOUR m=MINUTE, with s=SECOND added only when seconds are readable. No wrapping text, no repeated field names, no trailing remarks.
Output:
h=11 m=37
